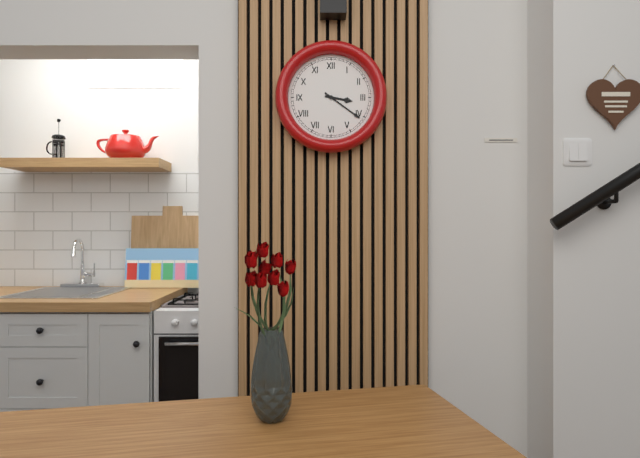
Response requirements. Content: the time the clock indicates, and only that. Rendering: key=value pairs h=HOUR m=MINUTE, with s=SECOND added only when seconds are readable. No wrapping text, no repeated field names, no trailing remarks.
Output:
h=3 m=21
